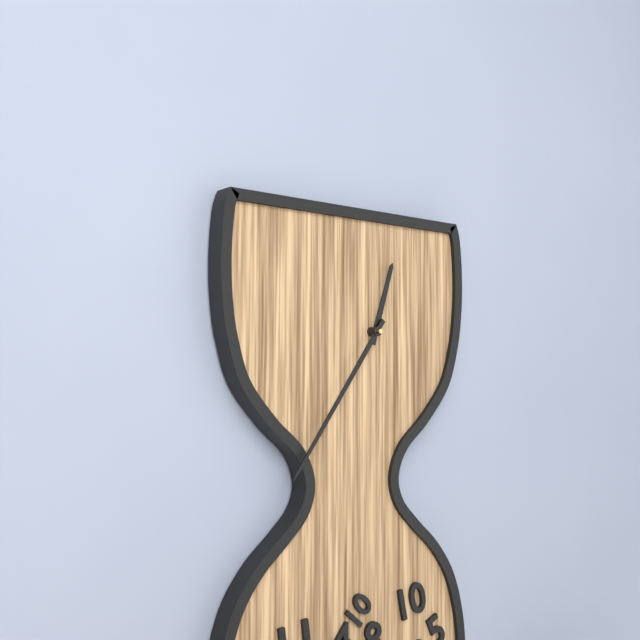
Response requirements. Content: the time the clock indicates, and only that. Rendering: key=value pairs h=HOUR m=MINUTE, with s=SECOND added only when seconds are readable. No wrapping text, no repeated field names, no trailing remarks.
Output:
h=12 m=36
